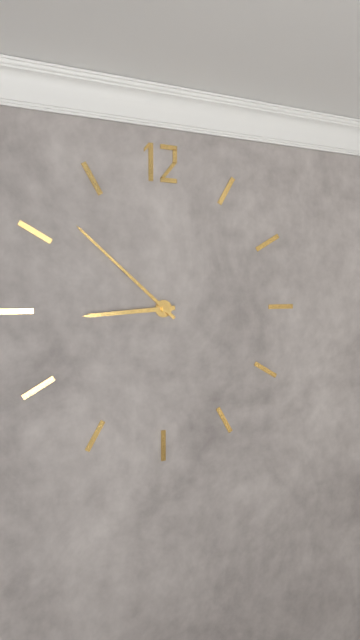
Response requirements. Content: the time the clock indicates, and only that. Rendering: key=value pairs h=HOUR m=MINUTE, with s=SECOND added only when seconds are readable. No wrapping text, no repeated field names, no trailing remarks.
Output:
h=8 m=52
